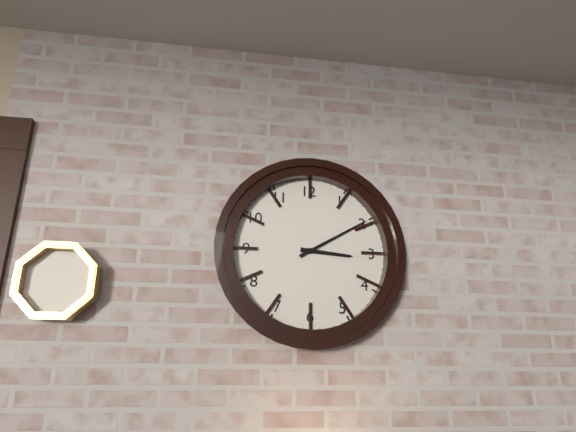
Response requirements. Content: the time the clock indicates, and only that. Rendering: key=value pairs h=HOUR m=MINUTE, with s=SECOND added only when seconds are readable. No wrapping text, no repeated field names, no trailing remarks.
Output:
h=3 m=10
